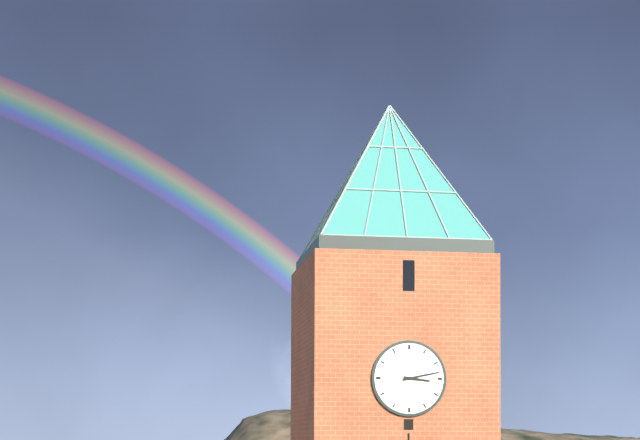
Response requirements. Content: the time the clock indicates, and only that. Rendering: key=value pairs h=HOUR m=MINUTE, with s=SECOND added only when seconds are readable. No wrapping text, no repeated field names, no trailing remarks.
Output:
h=3 m=13
